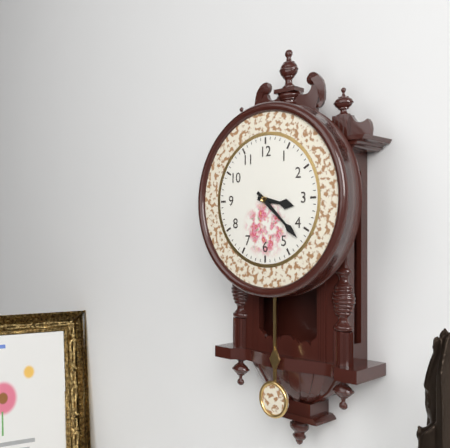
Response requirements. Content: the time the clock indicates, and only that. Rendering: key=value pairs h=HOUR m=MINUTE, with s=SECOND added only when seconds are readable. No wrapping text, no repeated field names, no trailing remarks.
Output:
h=3 m=22
